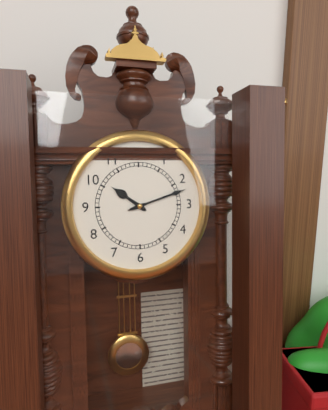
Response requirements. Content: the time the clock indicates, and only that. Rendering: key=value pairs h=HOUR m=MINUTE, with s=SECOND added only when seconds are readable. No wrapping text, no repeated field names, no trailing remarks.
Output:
h=10 m=12
